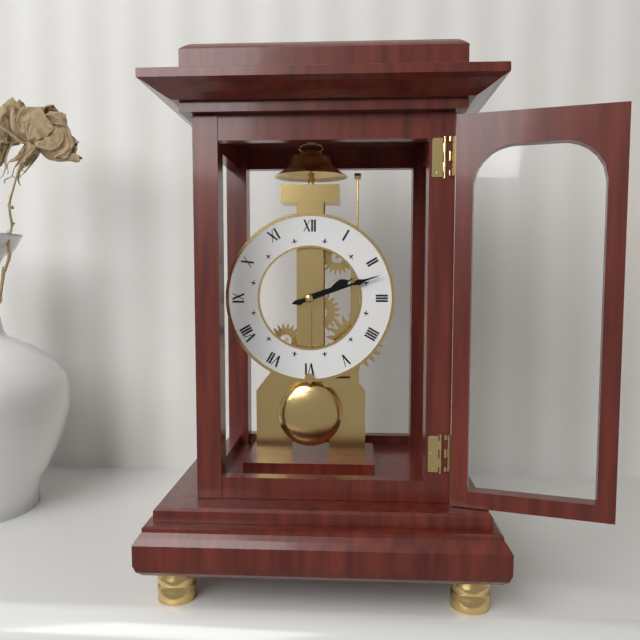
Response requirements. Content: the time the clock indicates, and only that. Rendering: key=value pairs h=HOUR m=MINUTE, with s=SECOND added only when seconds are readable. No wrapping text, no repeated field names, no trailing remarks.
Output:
h=2 m=12
